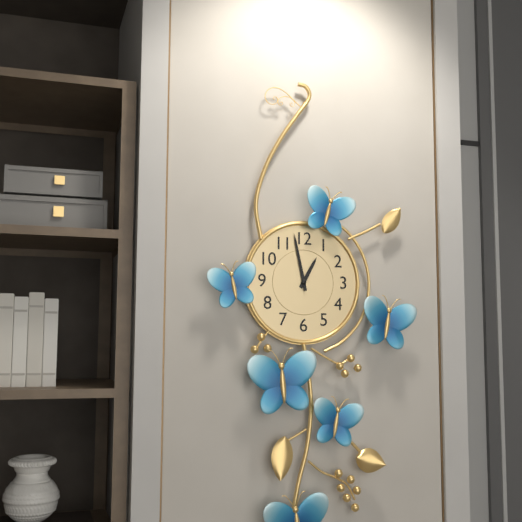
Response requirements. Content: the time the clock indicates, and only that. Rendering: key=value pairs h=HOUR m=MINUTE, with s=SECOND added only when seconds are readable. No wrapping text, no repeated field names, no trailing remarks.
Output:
h=12 m=58
